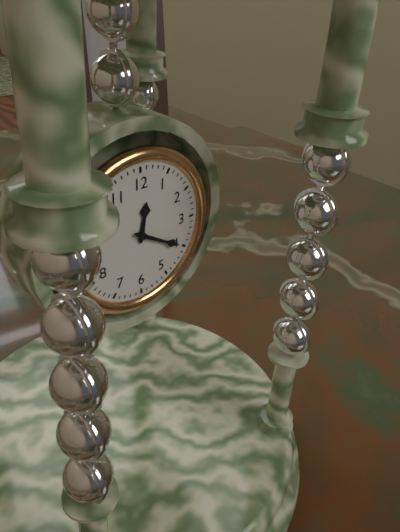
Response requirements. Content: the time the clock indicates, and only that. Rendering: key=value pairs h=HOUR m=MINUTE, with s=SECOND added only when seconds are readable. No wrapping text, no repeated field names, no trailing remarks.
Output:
h=12 m=20
